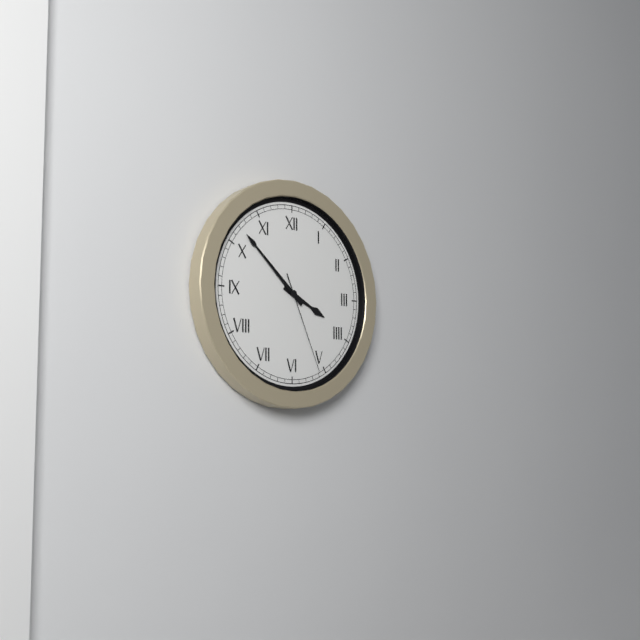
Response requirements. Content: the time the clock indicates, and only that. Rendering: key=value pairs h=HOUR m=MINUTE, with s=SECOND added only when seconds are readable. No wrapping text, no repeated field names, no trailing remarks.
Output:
h=3 m=52 s=26
